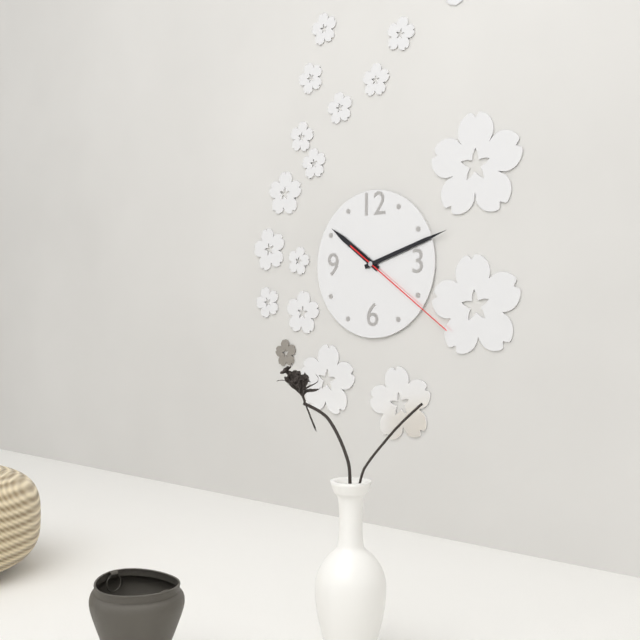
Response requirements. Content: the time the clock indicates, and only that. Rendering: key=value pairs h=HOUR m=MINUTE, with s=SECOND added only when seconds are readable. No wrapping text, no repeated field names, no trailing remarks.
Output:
h=10 m=12 s=21
